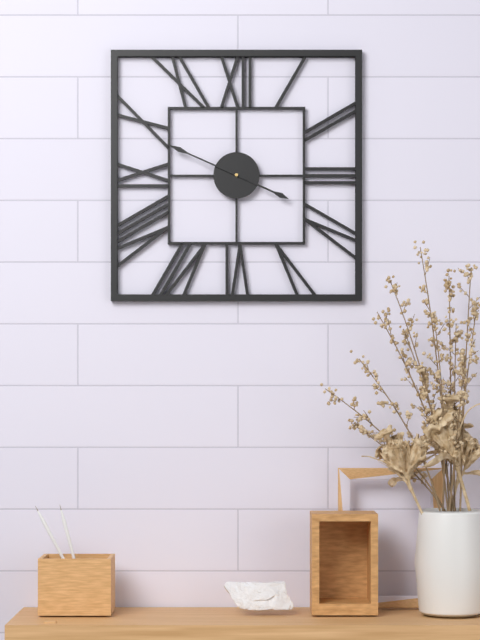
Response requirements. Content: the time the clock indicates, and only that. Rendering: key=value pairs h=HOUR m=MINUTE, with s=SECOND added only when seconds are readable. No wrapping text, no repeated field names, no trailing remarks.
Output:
h=3 m=49
